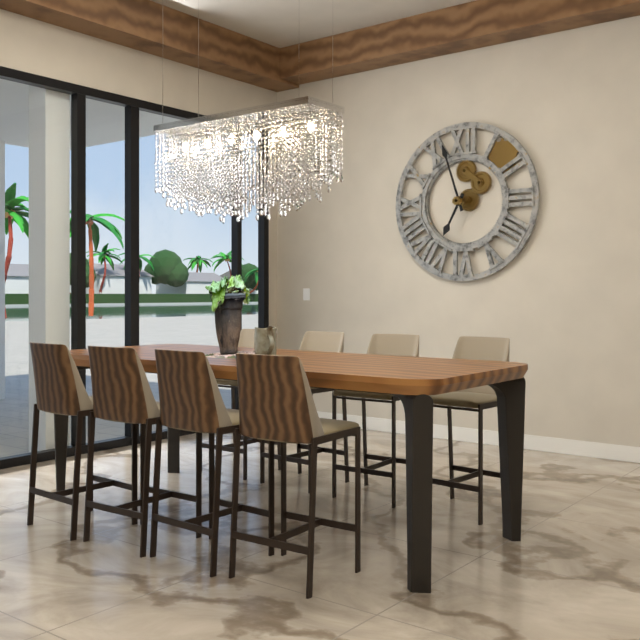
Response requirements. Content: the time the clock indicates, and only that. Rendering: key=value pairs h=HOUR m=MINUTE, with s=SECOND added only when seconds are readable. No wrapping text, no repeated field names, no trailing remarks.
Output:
h=6 m=57
